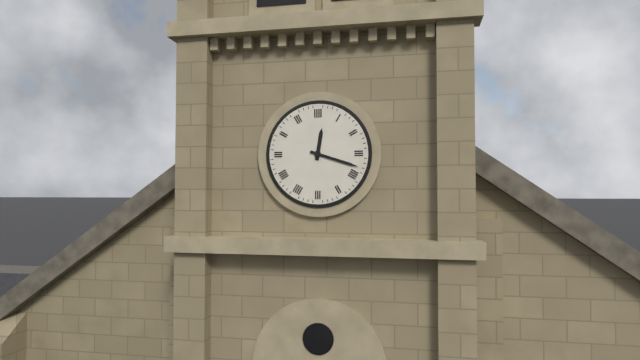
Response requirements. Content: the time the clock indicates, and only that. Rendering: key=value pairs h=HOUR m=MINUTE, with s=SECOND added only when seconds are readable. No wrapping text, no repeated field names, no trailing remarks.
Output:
h=12 m=18
